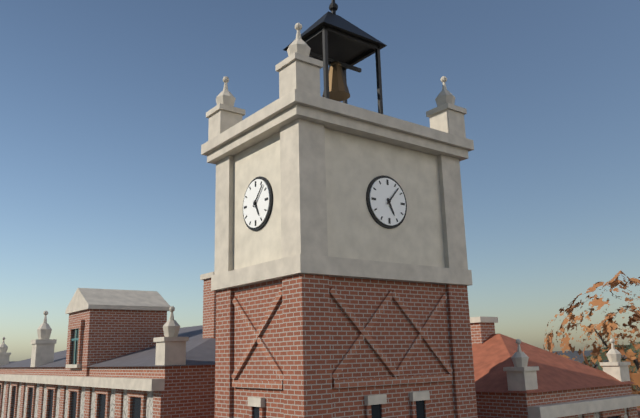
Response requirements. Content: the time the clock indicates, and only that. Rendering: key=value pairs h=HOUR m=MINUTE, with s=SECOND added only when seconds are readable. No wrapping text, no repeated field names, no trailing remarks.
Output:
h=5 m=7
